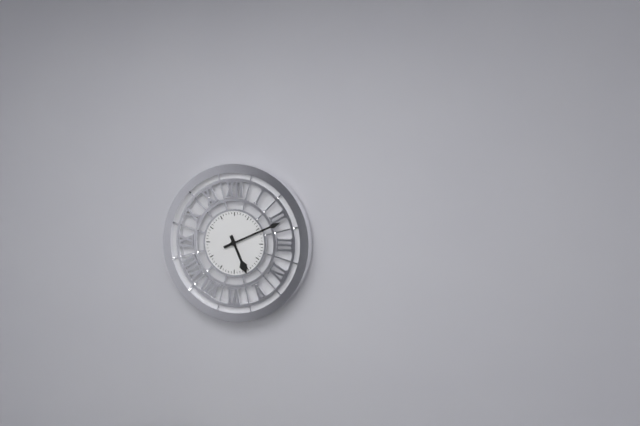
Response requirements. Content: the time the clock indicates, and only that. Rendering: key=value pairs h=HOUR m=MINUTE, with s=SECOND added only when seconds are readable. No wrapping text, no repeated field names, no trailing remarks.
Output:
h=5 m=11
